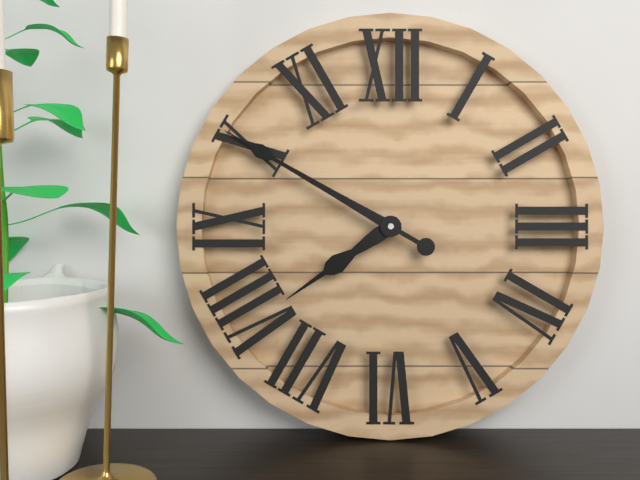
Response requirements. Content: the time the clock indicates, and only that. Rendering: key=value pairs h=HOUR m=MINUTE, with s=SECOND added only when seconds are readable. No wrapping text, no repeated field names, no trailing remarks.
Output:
h=7 m=50
